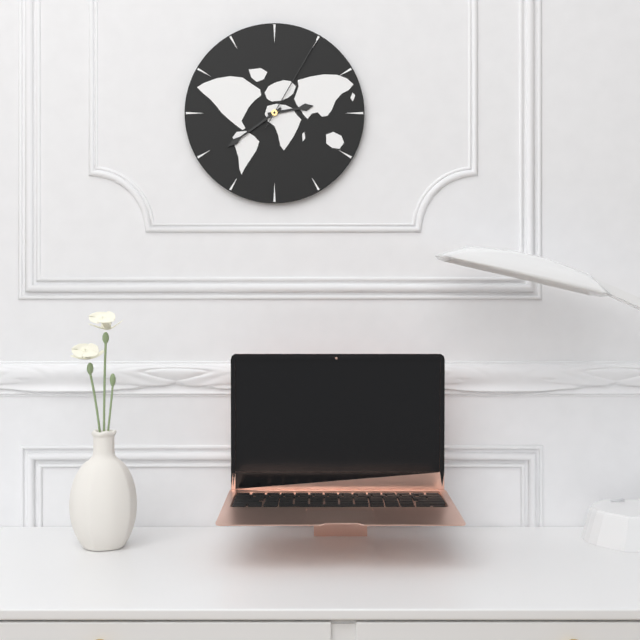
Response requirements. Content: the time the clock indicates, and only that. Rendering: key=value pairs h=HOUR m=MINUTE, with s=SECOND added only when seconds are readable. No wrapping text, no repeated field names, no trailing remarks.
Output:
h=2 m=39 s=5
